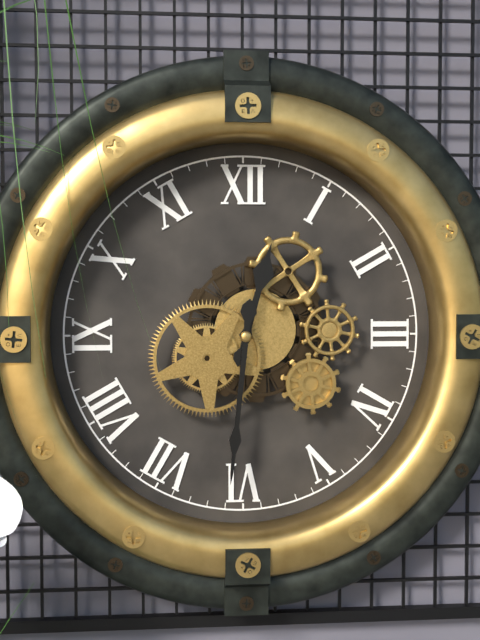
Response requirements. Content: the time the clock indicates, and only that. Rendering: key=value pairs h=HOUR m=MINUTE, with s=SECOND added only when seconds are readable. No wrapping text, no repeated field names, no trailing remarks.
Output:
h=12 m=31
